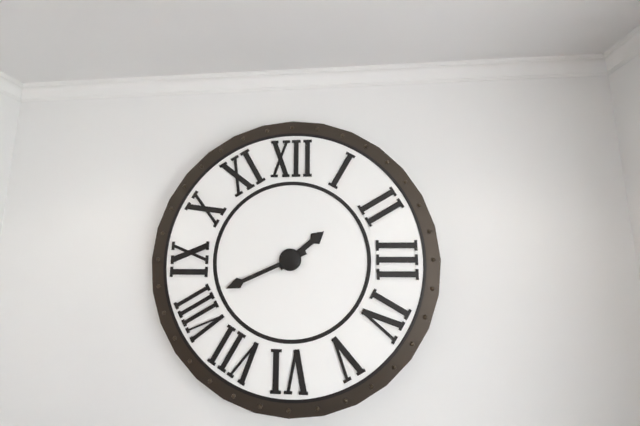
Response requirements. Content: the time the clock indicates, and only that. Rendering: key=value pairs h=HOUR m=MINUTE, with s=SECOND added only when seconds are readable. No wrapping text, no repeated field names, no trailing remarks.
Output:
h=1 m=41
